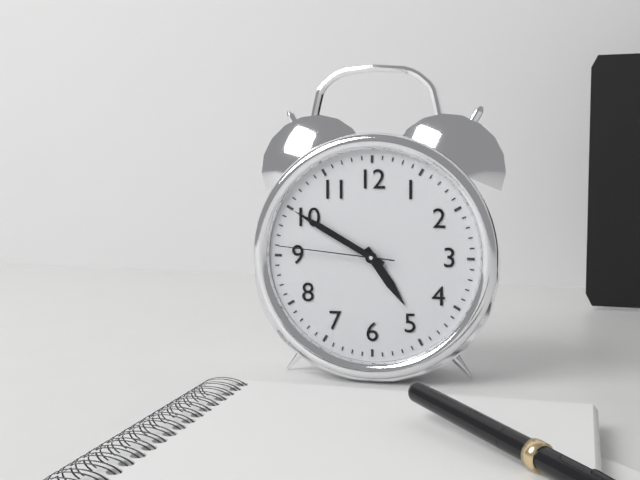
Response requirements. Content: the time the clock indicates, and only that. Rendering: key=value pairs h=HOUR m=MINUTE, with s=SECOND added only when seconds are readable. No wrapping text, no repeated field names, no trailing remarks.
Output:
h=4 m=50 s=46
